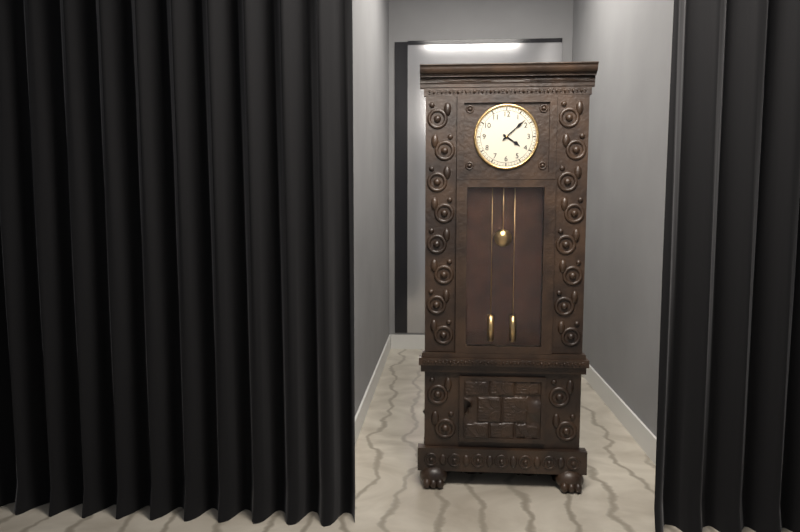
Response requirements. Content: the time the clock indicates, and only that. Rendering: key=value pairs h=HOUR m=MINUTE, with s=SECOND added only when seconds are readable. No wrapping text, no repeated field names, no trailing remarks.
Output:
h=4 m=8
